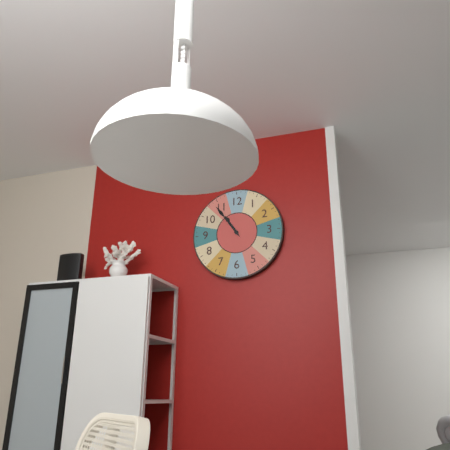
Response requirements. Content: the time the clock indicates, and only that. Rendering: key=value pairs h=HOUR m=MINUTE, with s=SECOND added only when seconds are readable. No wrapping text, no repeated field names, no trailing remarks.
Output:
h=10 m=54
